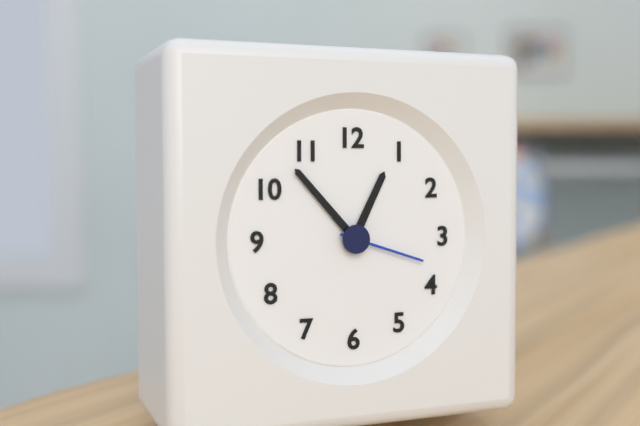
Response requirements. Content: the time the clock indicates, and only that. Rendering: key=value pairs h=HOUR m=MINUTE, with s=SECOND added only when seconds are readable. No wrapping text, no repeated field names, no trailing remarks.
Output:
h=12 m=53 s=18
